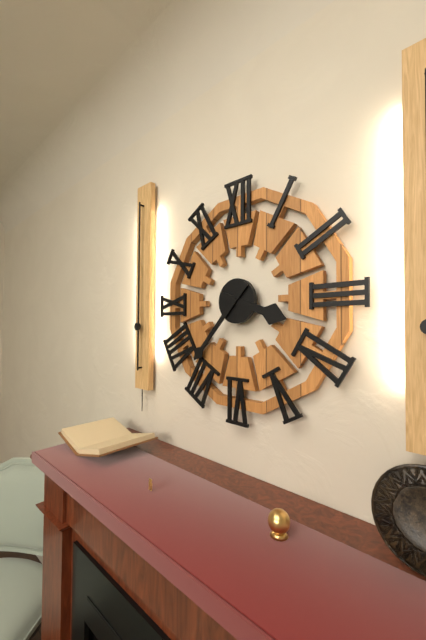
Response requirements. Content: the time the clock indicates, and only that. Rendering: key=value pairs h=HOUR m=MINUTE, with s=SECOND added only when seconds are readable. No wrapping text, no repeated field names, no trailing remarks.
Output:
h=3 m=37
